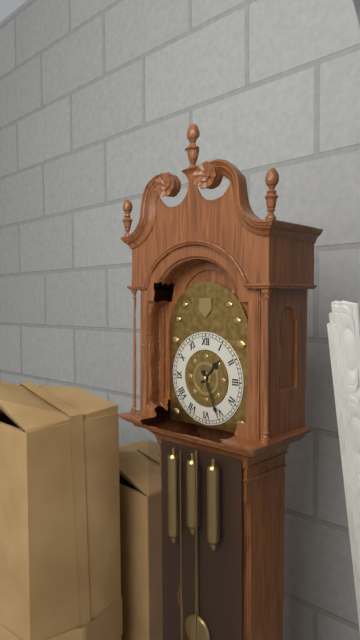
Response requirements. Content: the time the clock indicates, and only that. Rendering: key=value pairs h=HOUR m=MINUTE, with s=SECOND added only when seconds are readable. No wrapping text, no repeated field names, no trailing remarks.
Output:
h=1 m=26
